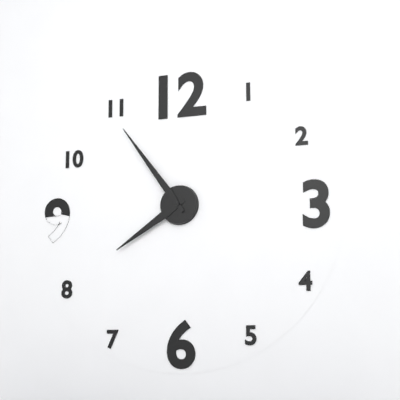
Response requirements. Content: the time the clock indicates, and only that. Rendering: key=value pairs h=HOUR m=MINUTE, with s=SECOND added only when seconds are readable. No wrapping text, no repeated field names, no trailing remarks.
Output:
h=7 m=54
